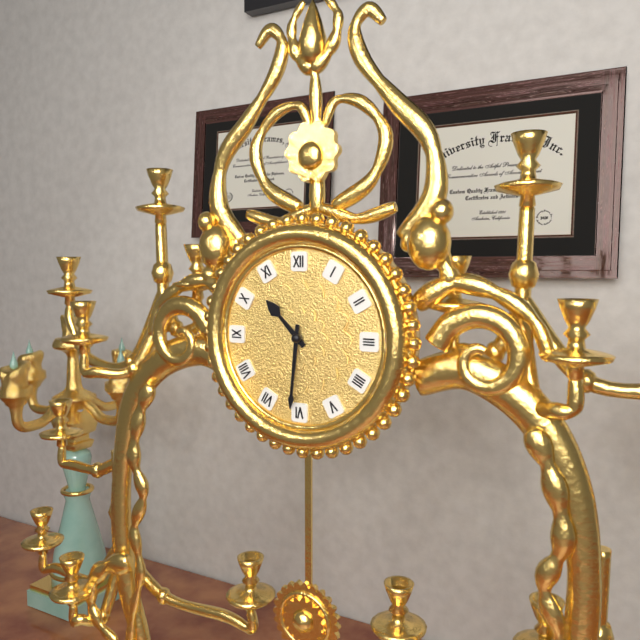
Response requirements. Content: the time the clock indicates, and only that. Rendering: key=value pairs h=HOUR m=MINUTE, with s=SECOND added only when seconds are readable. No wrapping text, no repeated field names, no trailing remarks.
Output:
h=10 m=31
